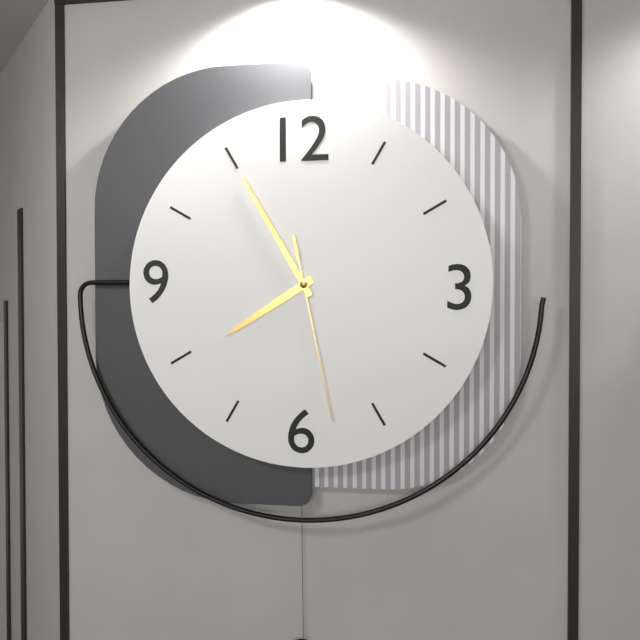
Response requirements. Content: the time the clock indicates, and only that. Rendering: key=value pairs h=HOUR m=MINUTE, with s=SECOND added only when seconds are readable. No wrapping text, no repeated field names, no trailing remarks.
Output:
h=7 m=55 s=28
